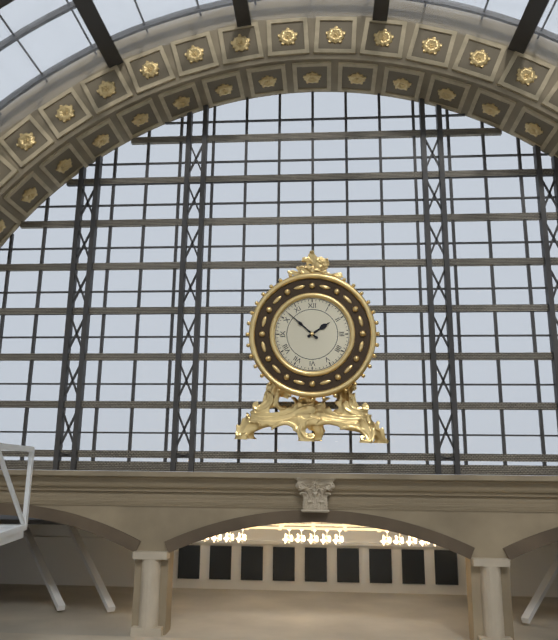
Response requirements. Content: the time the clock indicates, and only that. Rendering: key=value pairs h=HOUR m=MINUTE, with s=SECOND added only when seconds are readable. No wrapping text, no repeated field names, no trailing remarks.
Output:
h=1 m=52
